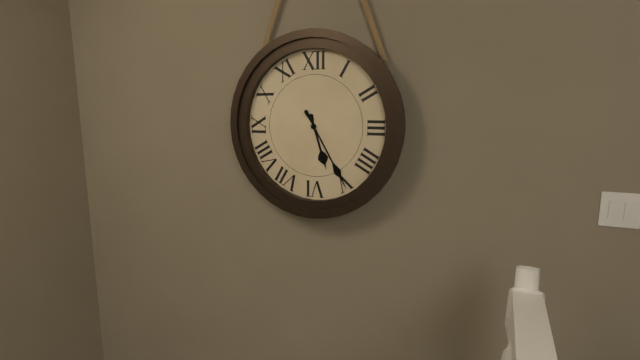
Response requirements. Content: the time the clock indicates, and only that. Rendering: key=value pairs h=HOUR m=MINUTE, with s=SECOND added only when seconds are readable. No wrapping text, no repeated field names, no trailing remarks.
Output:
h=5 m=25
